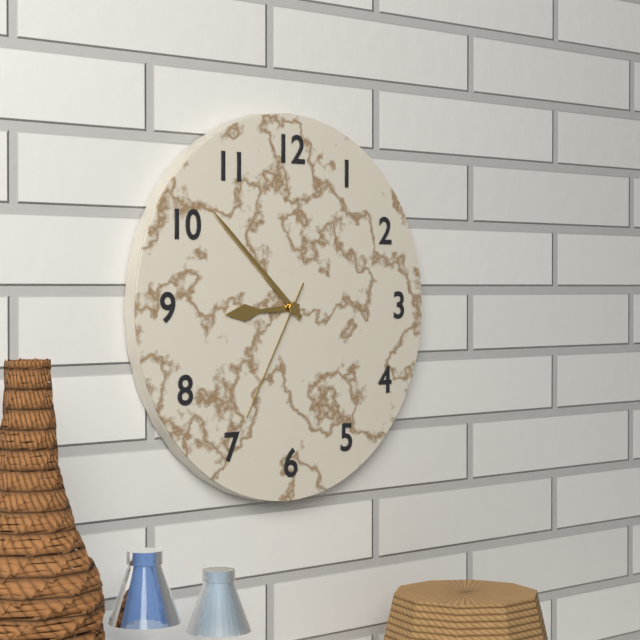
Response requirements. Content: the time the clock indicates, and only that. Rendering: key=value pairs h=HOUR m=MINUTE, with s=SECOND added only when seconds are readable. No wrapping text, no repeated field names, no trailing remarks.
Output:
h=8 m=52 s=35
